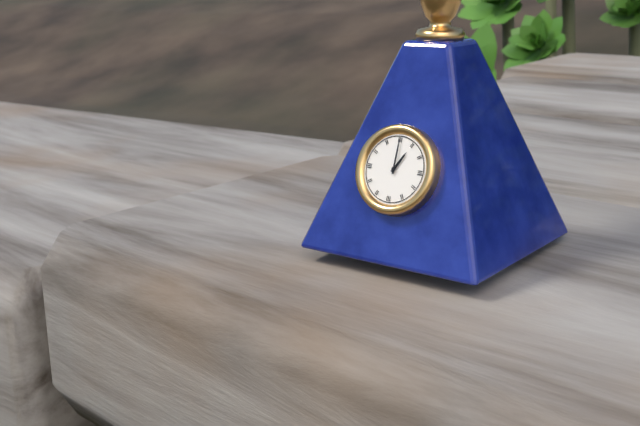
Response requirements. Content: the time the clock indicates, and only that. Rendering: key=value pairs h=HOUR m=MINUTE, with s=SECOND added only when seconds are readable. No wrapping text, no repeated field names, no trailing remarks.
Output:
h=1 m=0
